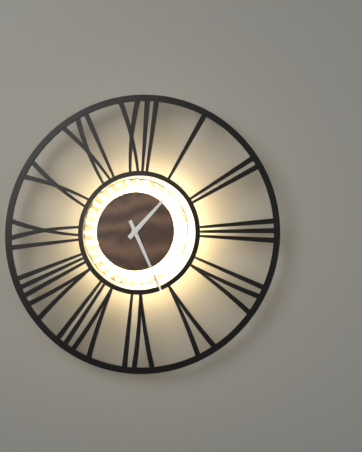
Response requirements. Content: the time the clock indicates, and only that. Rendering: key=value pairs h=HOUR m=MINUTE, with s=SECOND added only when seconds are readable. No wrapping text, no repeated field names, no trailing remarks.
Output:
h=1 m=26
